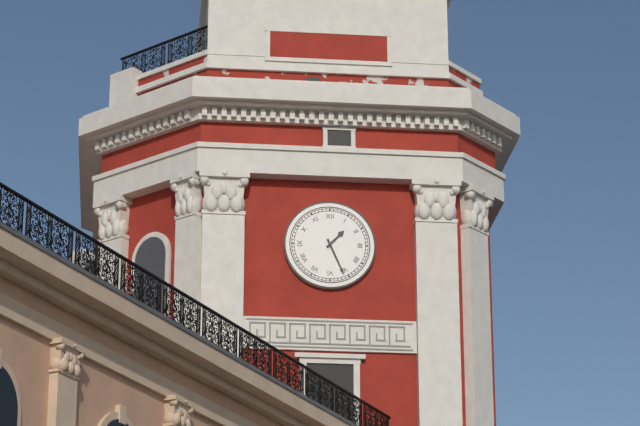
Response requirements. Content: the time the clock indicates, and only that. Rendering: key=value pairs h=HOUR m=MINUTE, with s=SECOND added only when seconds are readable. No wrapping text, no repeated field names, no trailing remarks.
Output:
h=1 m=26
